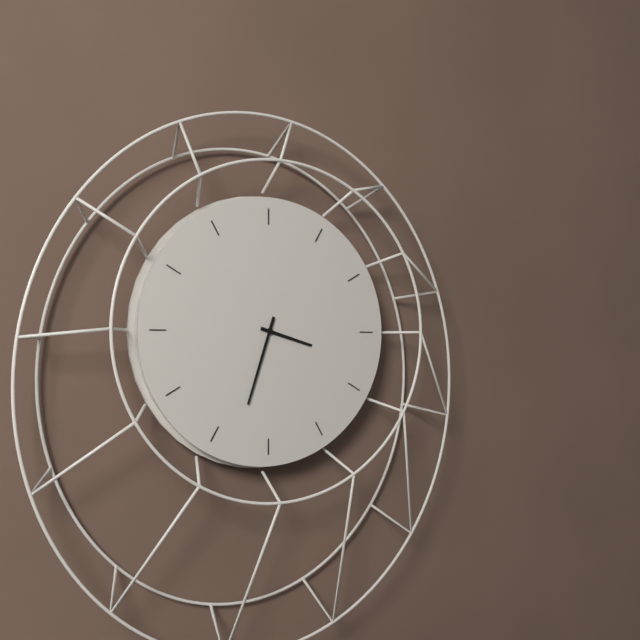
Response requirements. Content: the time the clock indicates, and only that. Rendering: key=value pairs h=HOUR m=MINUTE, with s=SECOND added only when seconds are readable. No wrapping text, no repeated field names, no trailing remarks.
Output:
h=3 m=33
